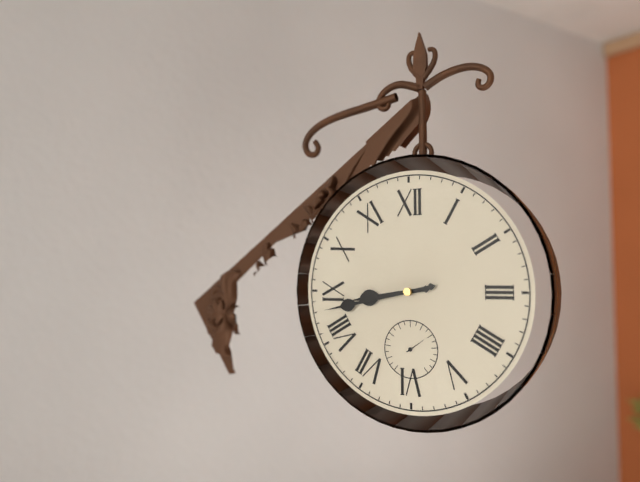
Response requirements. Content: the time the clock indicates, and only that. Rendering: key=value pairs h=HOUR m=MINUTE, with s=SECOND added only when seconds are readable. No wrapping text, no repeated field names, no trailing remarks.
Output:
h=8 m=43
